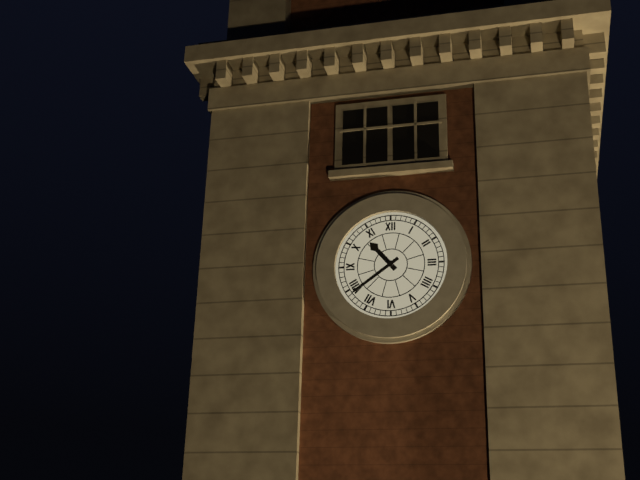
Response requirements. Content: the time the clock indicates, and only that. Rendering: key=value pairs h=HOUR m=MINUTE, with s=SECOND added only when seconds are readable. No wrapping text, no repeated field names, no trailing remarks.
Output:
h=10 m=39
